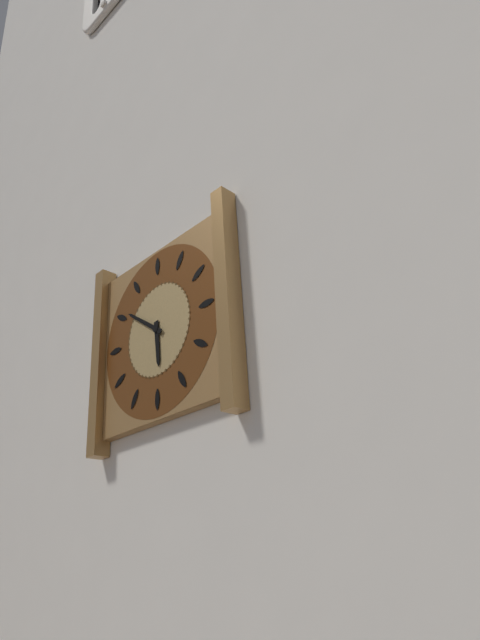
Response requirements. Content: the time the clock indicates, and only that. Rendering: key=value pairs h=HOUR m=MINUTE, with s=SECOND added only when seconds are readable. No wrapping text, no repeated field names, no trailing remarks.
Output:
h=5 m=51
